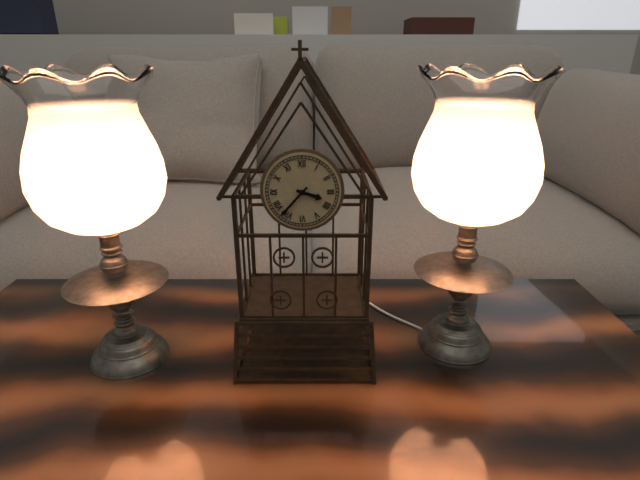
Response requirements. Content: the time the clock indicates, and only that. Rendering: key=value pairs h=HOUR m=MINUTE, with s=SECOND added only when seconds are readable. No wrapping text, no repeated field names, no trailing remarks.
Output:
h=3 m=37
